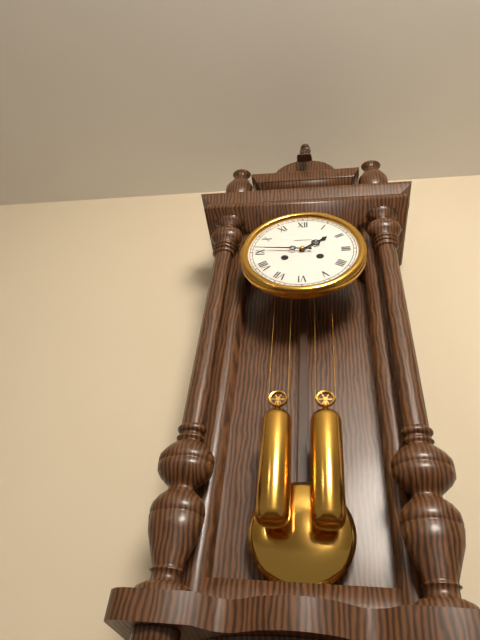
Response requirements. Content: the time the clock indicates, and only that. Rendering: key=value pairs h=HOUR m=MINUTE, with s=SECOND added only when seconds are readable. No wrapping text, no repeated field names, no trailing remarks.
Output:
h=1 m=46
